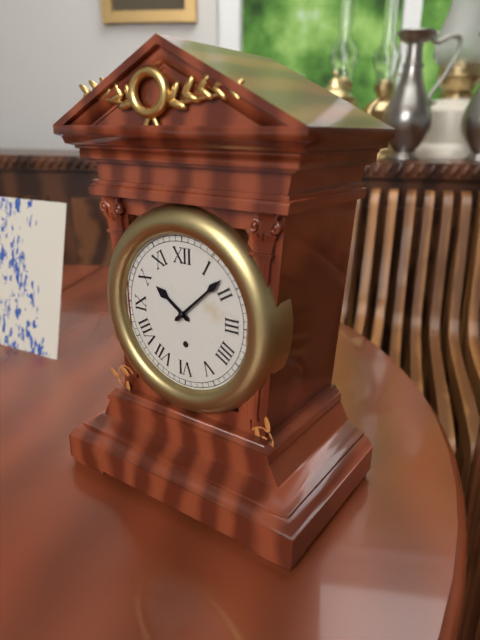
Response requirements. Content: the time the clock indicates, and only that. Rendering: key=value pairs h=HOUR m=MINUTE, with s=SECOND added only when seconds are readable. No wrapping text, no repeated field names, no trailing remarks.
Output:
h=10 m=8
